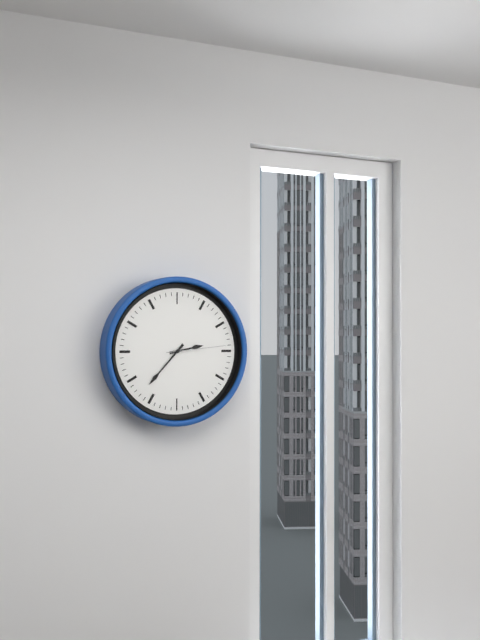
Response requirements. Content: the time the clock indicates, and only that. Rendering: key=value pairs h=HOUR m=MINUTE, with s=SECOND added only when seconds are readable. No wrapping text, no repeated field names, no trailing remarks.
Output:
h=2 m=37 s=14
